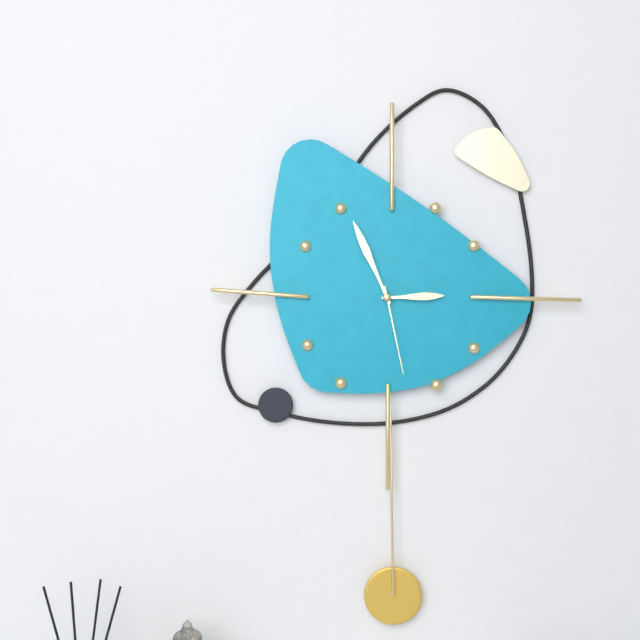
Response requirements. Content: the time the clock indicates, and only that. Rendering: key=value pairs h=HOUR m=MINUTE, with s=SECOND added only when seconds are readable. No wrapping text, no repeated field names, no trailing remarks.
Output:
h=2 m=56 s=28
